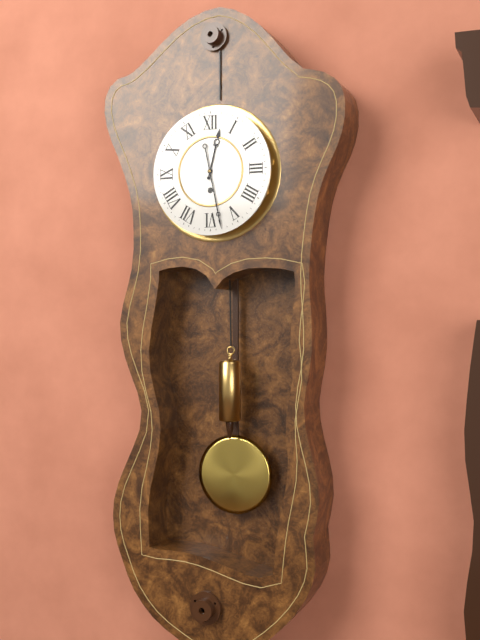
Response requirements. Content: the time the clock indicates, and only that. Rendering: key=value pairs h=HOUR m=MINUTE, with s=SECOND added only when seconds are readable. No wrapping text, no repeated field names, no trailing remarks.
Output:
h=12 m=28
